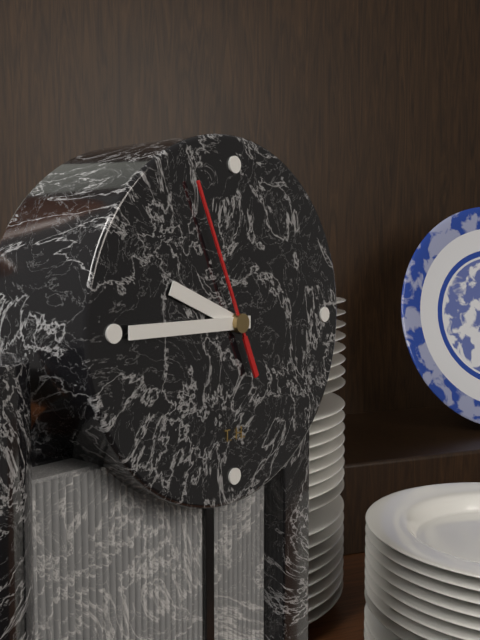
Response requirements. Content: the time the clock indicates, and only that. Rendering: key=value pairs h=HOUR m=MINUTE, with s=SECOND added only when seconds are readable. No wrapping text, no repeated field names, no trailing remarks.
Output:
h=9 m=45 s=56
